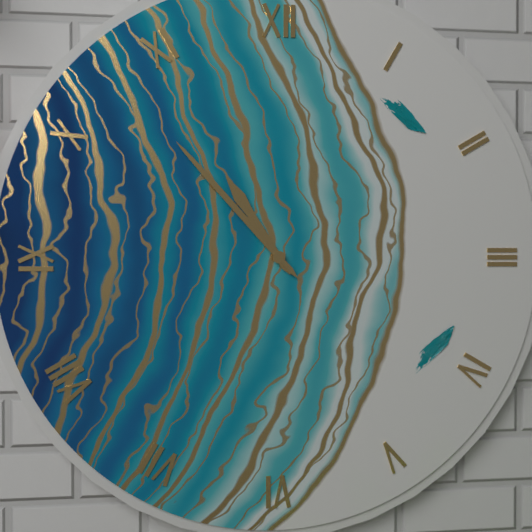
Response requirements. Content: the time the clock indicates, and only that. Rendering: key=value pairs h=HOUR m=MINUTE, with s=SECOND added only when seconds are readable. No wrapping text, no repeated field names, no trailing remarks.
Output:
h=10 m=53
